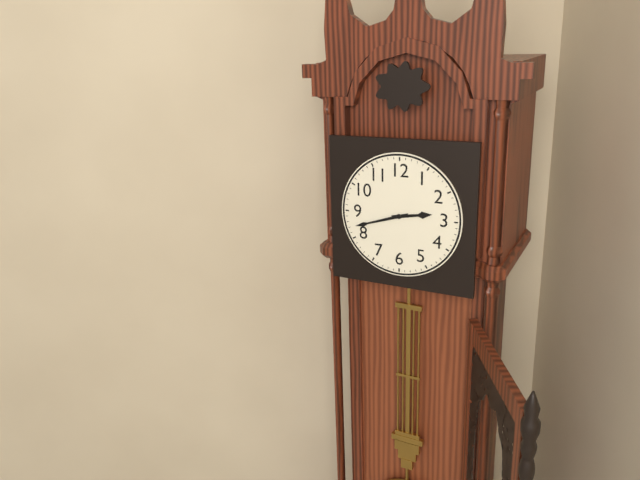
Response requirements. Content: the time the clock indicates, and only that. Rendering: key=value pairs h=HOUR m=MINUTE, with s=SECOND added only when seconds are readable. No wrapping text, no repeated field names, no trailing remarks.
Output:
h=2 m=42
